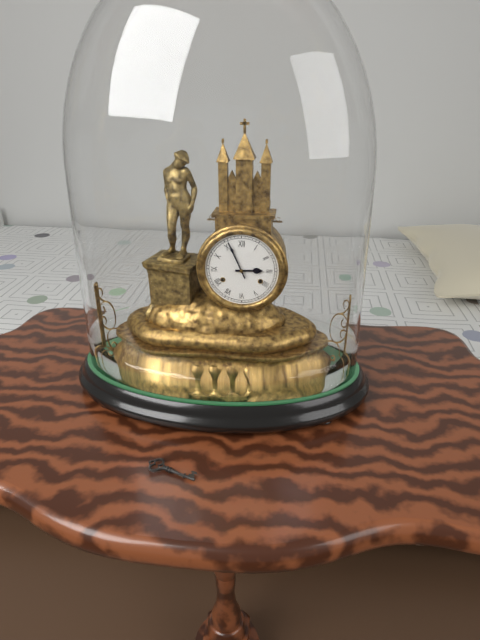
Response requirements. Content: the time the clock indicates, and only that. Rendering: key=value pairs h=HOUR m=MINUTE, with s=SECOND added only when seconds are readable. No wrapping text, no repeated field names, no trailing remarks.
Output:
h=2 m=56
